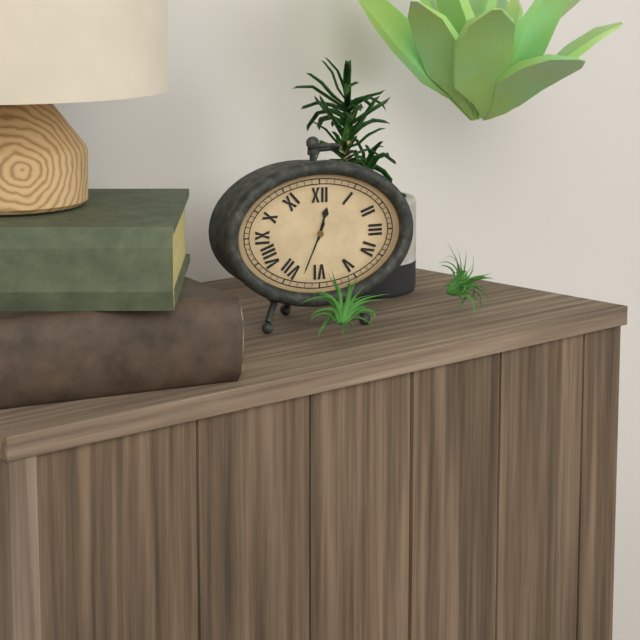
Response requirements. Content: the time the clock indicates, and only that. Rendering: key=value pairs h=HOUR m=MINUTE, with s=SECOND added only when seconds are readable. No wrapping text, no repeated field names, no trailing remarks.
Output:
h=12 m=34
